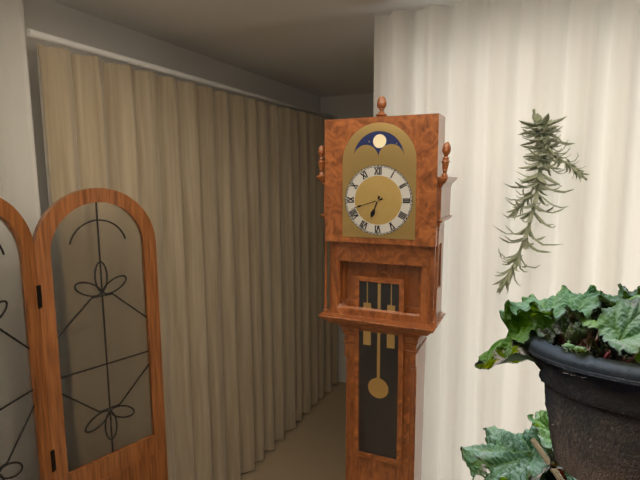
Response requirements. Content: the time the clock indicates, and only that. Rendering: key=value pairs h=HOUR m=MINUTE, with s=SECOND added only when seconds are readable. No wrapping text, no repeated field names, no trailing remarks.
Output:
h=6 m=42
